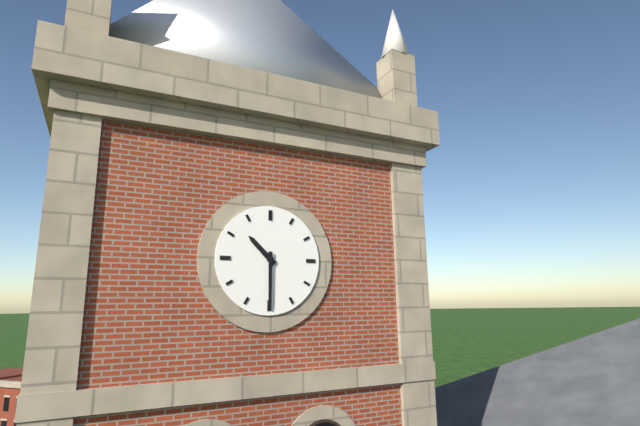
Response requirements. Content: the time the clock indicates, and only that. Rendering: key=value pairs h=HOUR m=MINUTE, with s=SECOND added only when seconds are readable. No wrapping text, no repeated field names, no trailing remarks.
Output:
h=10 m=30
